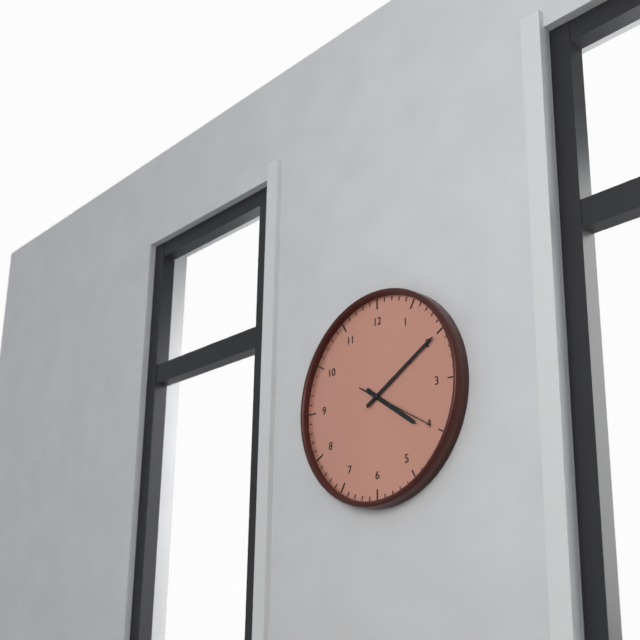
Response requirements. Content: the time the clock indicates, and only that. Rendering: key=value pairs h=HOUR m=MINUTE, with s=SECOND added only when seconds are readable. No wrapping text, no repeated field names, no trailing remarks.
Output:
h=4 m=10 s=20
